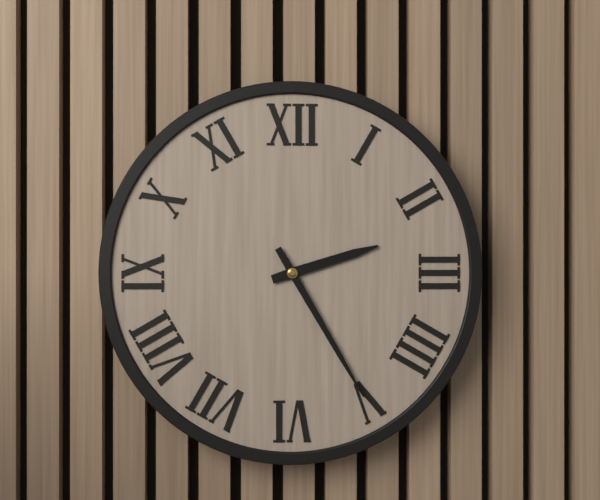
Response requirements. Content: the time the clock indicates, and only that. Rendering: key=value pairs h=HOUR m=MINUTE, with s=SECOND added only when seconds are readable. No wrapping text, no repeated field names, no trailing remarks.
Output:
h=2 m=25
